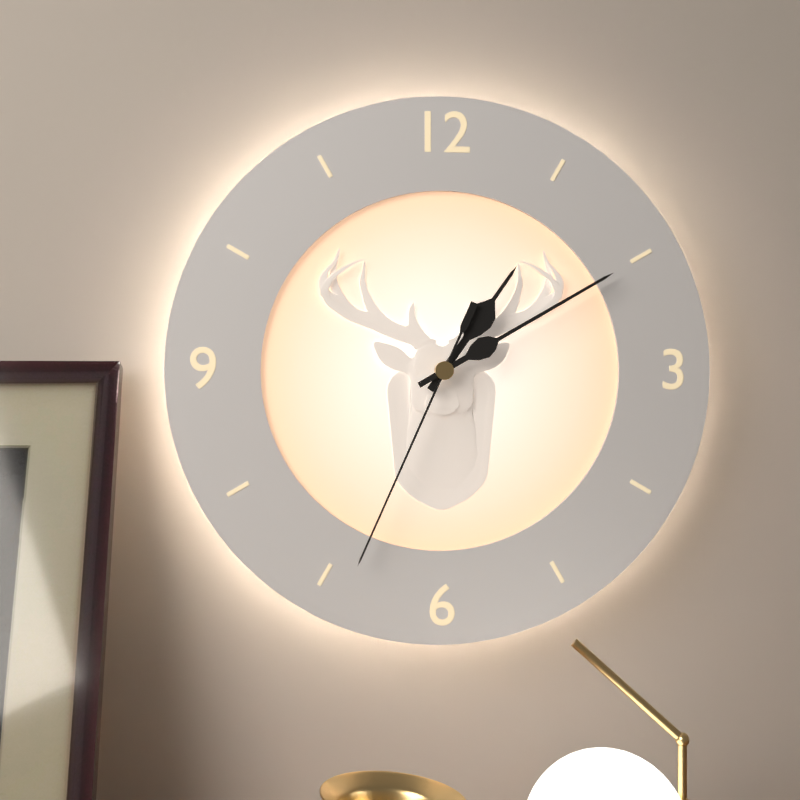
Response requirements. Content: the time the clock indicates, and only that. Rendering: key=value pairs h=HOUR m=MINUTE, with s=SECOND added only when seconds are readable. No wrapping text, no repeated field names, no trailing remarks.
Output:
h=1 m=10 s=34
